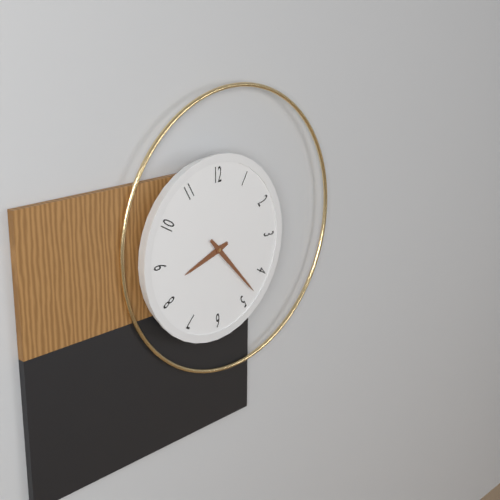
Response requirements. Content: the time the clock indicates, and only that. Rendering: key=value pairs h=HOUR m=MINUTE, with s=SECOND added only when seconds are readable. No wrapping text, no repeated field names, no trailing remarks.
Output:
h=8 m=23
